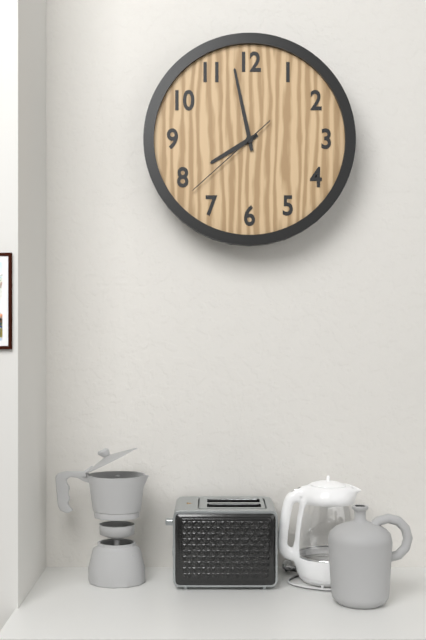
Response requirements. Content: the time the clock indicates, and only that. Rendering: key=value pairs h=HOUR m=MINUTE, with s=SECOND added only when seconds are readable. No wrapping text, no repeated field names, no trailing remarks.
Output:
h=7 m=58 s=38
